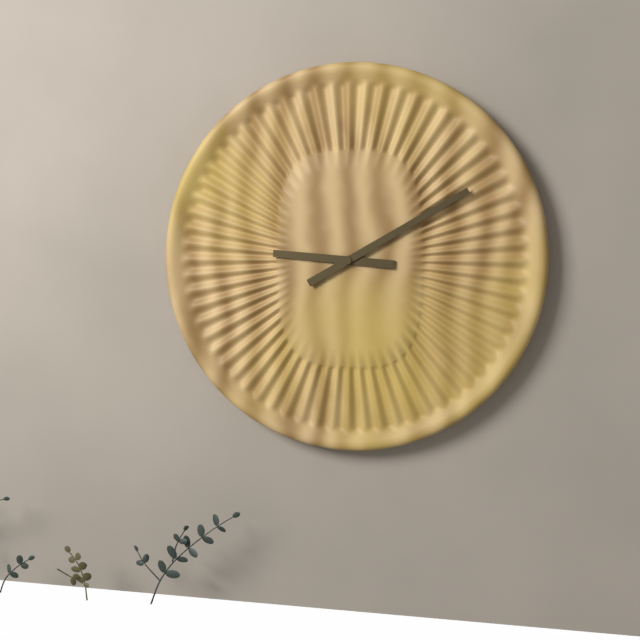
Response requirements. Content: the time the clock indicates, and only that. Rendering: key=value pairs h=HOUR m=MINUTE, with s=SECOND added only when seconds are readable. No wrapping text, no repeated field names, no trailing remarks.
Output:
h=9 m=10
